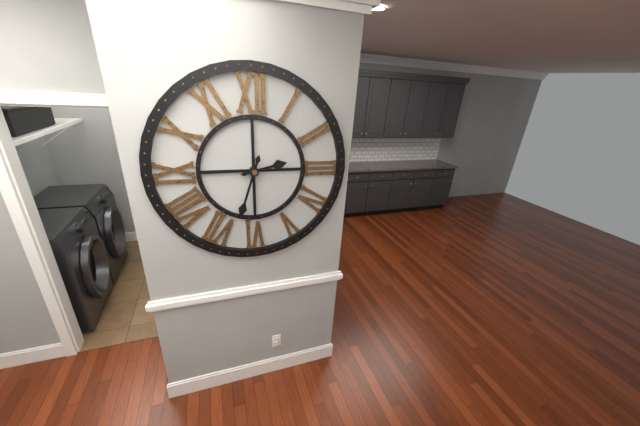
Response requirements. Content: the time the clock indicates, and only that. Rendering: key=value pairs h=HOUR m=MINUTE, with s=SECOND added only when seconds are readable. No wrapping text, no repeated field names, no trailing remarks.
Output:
h=2 m=33
